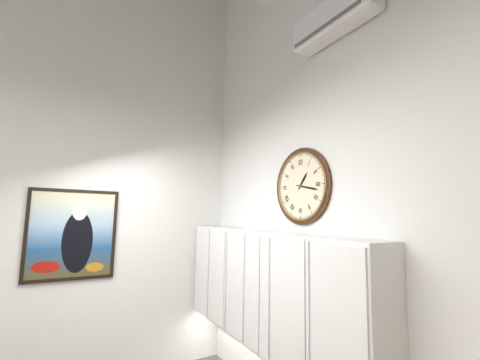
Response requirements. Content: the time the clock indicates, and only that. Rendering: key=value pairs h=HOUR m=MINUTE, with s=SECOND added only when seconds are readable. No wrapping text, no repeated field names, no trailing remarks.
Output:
h=1 m=17
